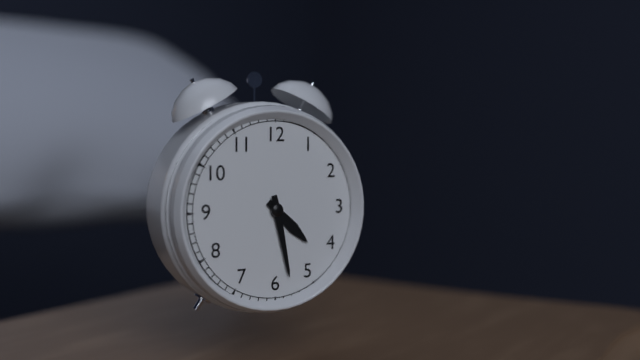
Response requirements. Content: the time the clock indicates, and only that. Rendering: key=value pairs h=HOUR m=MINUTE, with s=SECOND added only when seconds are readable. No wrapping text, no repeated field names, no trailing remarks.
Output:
h=4 m=28
